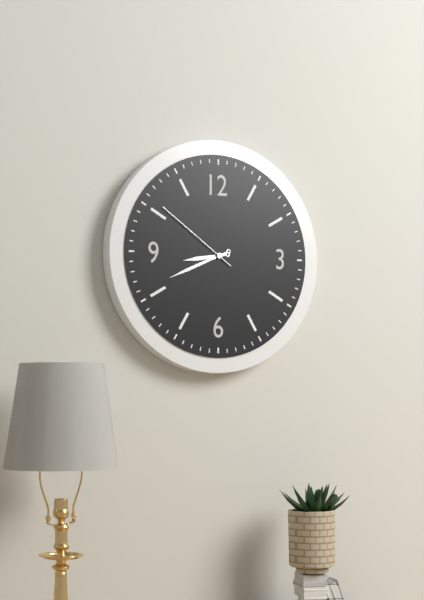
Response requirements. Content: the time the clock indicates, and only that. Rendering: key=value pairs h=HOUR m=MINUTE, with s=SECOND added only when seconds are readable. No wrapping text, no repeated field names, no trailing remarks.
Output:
h=8 m=41 s=51
